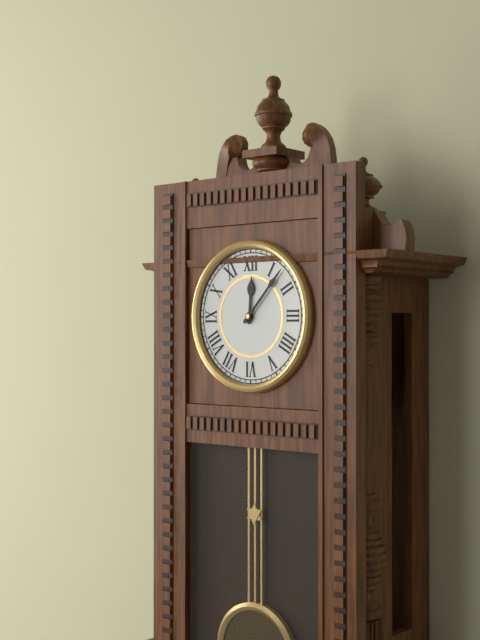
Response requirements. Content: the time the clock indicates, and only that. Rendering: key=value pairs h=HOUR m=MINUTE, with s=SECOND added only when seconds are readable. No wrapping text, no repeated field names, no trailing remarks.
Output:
h=12 m=7
